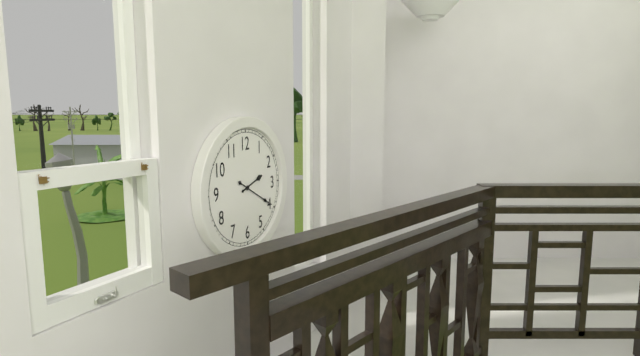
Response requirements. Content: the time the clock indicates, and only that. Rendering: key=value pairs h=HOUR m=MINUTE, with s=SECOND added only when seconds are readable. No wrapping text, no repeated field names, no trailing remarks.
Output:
h=2 m=20
